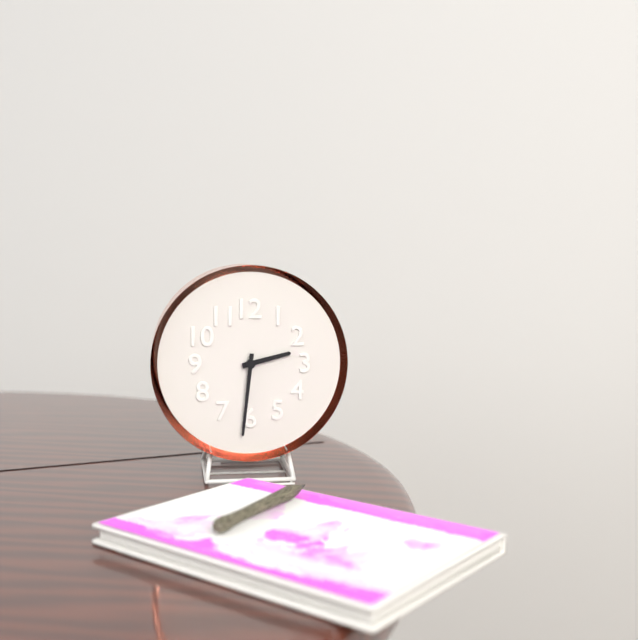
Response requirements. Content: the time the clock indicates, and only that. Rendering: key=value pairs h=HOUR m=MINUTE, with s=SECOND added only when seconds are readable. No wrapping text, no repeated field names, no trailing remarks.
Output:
h=2 m=31
